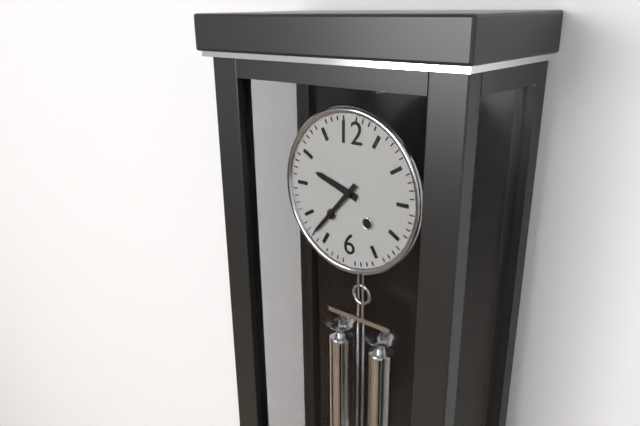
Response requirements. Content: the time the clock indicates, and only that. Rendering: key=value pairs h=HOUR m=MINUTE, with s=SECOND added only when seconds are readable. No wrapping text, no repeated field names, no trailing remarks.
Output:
h=9 m=37
